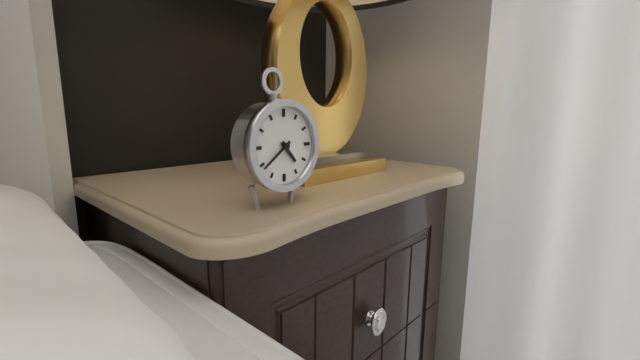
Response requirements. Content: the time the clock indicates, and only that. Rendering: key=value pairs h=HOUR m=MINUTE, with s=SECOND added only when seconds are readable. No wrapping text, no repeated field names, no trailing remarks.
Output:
h=4 m=39
